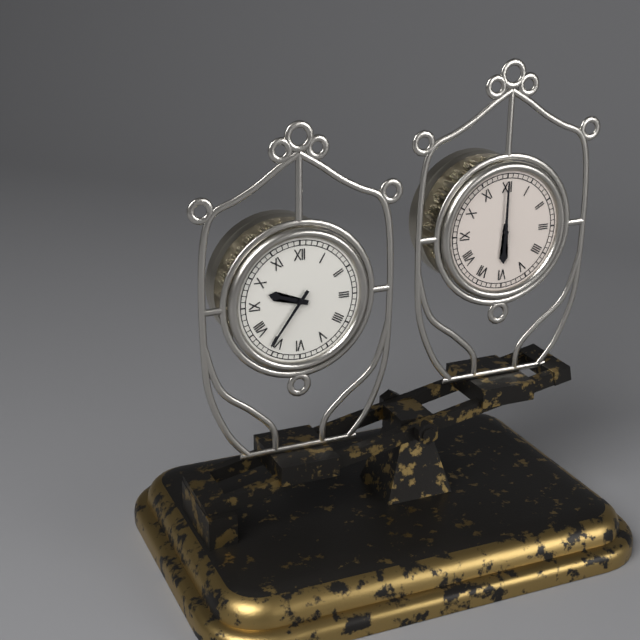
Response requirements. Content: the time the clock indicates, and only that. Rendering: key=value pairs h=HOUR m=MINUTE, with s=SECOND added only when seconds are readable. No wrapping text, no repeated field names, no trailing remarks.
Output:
h=9 m=36
